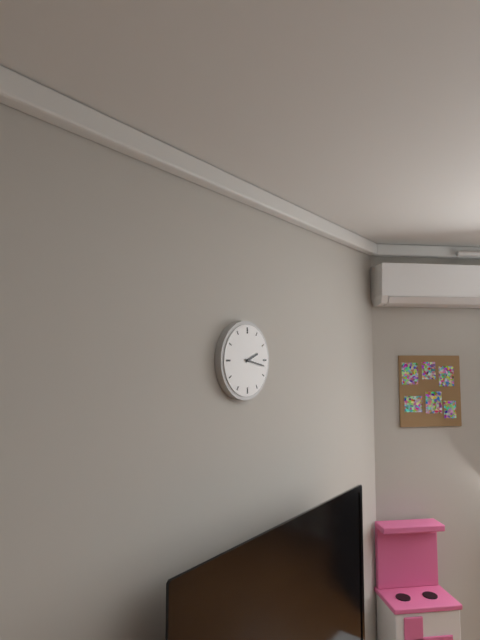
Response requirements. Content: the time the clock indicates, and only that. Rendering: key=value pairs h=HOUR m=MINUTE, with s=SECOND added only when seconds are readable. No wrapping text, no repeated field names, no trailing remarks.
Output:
h=2 m=17
